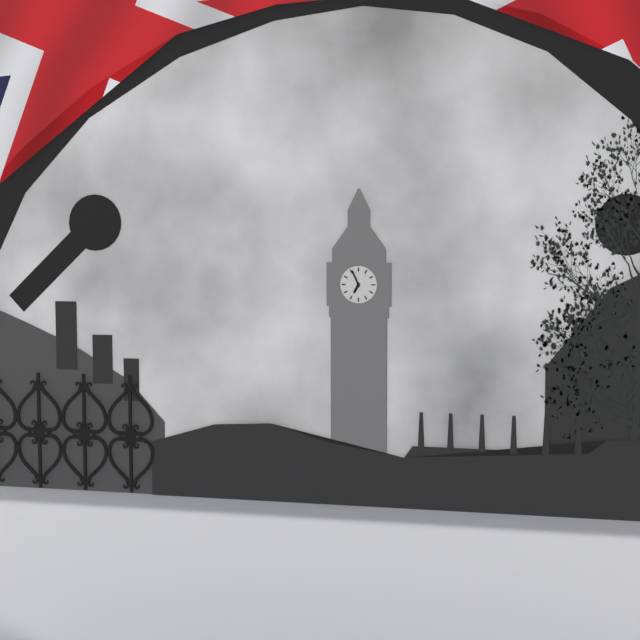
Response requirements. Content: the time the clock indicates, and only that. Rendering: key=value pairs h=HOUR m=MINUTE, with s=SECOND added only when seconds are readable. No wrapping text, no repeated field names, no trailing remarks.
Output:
h=6 m=56
